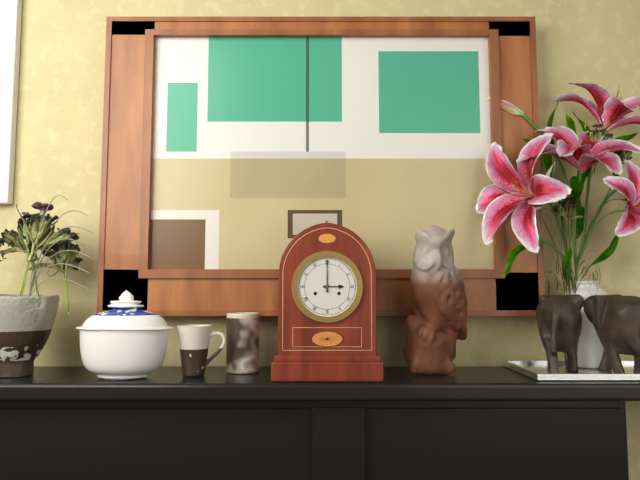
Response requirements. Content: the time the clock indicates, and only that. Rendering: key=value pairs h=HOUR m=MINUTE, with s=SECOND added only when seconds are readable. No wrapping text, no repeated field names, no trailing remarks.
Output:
h=3 m=0
